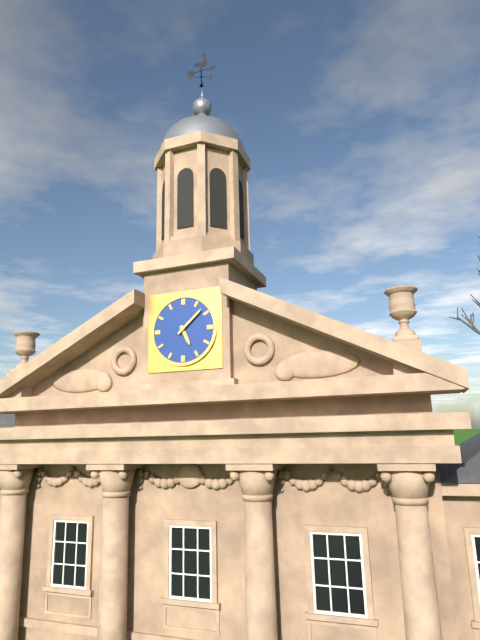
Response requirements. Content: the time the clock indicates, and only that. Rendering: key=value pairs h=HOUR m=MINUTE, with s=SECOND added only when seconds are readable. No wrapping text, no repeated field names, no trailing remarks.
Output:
h=5 m=8
